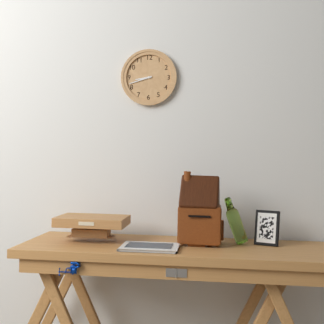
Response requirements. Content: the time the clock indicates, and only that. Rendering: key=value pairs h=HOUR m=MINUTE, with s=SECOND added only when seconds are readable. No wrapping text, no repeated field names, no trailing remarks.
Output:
h=8 m=42
